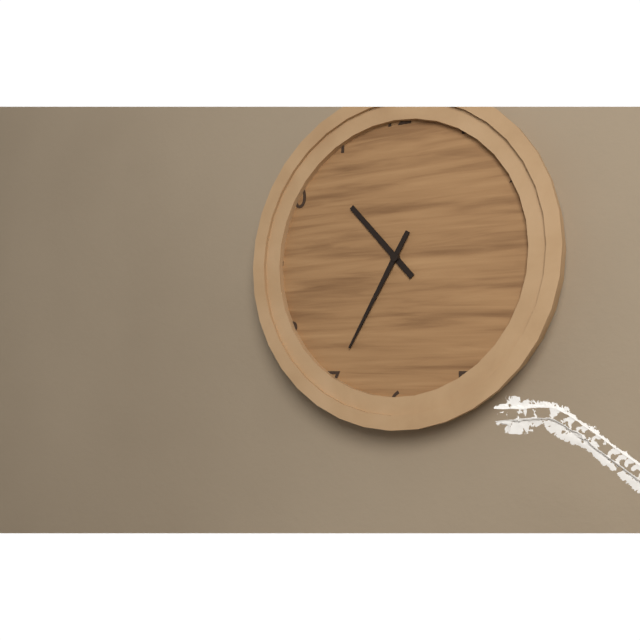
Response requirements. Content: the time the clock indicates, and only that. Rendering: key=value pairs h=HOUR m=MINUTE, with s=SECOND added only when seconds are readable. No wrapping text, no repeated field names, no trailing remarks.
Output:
h=10 m=35
